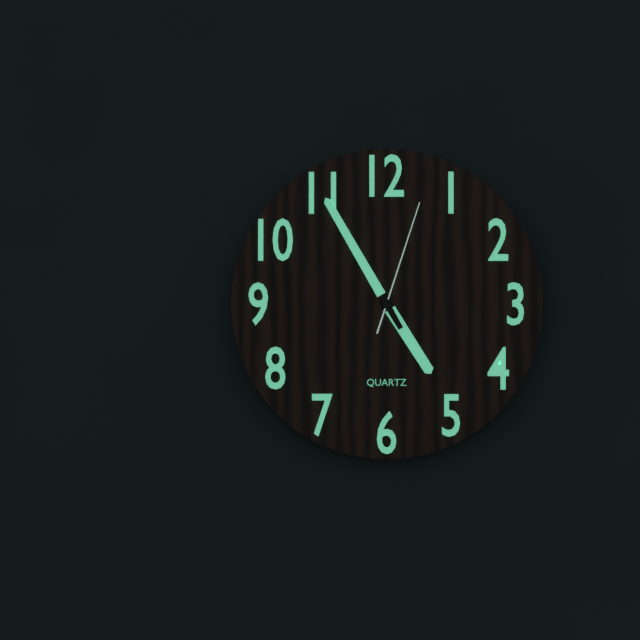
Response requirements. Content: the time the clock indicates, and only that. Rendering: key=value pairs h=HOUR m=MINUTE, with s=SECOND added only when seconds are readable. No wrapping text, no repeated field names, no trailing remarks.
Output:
h=4 m=55 s=3
